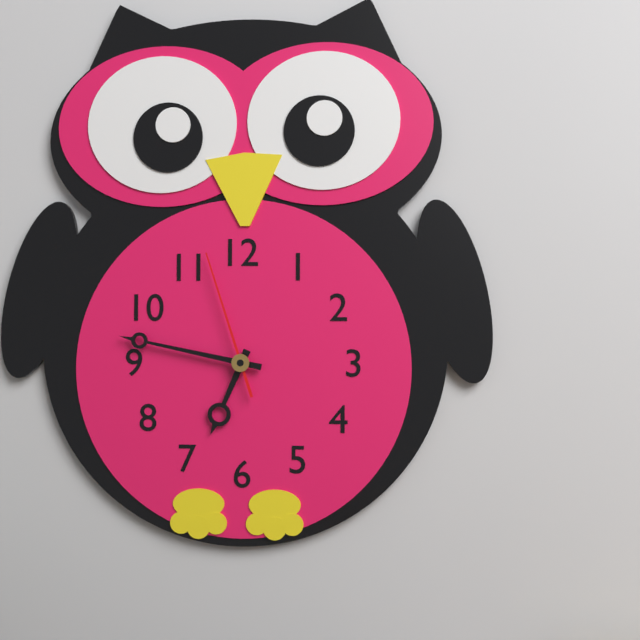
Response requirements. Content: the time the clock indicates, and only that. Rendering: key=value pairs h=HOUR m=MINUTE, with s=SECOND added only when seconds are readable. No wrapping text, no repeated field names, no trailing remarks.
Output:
h=6 m=47 s=57
